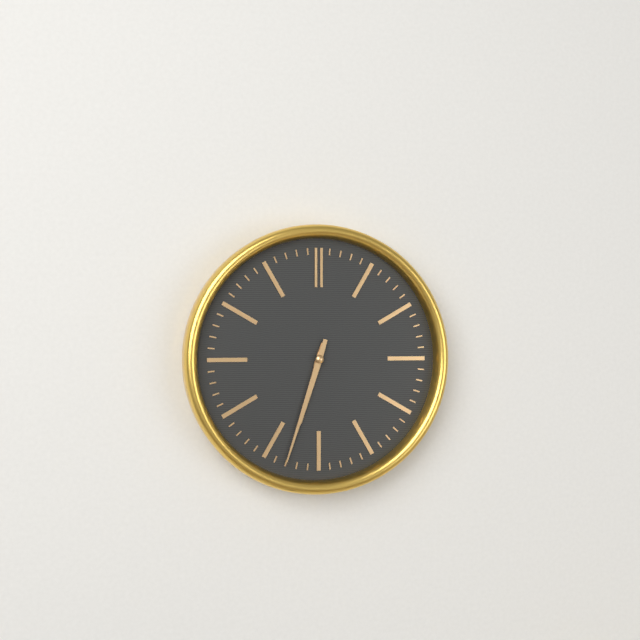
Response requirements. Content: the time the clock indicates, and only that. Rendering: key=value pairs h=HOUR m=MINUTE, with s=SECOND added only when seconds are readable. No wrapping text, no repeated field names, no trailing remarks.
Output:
h=6 m=33
